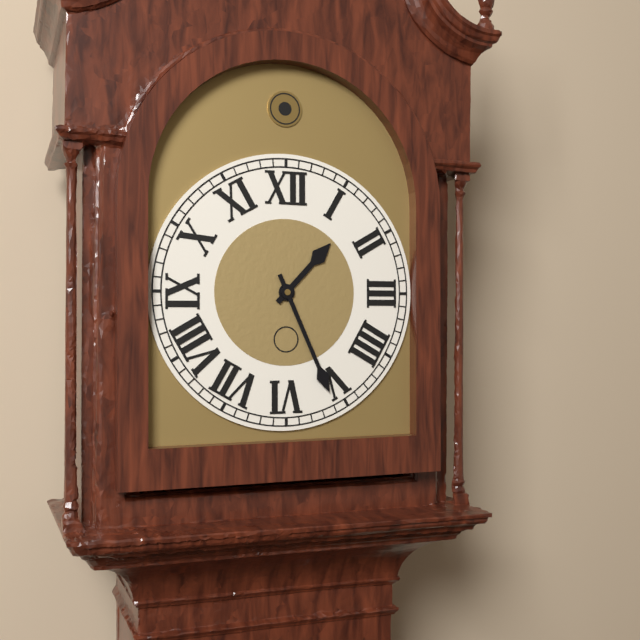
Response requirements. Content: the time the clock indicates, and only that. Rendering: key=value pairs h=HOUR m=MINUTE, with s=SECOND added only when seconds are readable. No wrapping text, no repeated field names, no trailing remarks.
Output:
h=1 m=26
